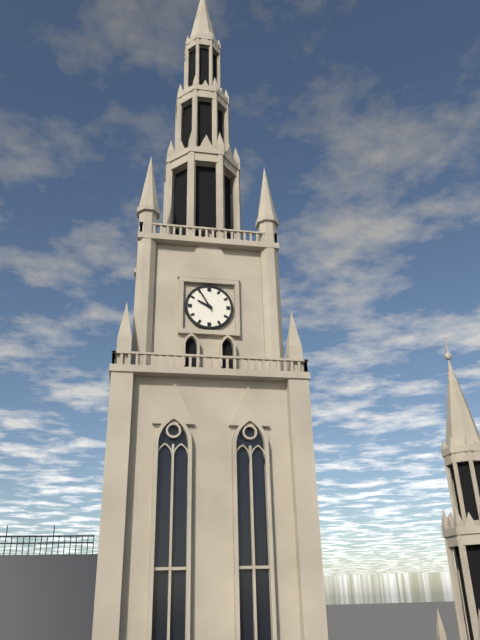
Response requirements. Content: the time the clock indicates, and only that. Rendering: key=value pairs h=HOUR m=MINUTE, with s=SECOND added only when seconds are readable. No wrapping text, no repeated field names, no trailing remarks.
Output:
h=9 m=55
